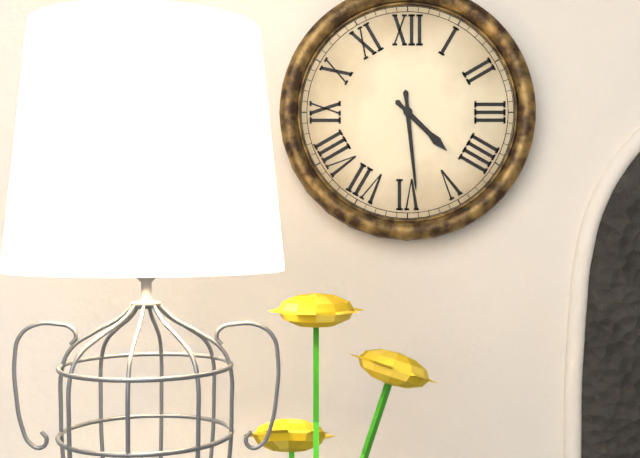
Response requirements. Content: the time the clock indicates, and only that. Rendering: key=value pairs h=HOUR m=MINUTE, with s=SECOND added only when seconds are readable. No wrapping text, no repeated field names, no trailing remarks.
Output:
h=4 m=29
